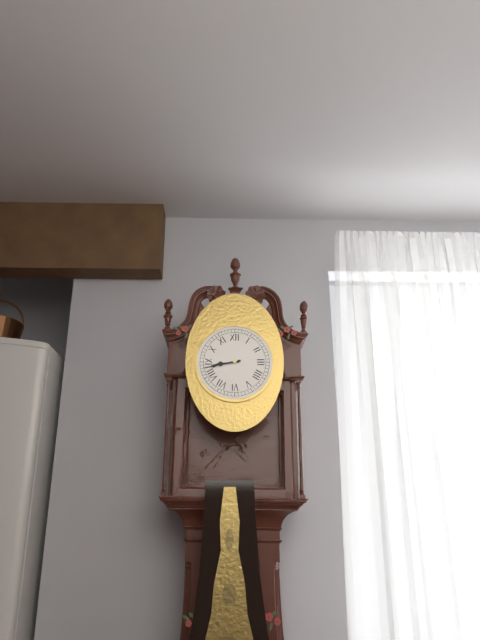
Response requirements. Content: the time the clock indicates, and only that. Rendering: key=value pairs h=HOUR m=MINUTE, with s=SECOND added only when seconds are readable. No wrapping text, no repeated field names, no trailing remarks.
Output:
h=8 m=43
